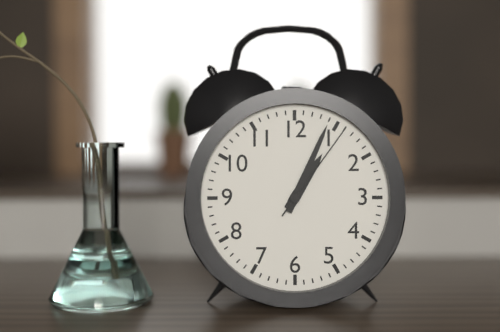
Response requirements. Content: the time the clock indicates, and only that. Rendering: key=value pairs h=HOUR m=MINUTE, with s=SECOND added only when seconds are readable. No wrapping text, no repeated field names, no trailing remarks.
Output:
h=1 m=4 s=6
